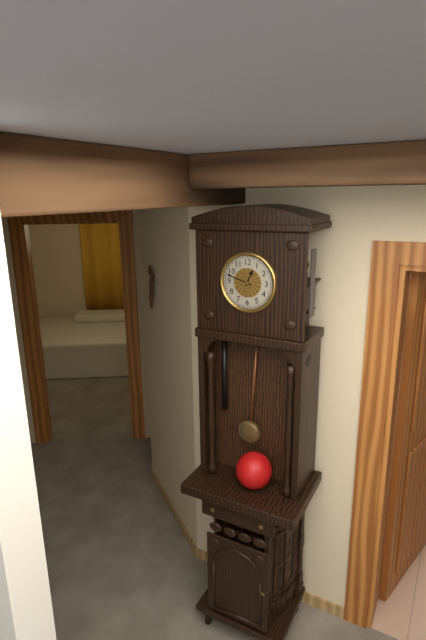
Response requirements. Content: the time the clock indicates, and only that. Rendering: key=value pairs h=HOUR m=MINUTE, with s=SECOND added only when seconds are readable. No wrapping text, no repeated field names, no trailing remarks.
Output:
h=12 m=48
